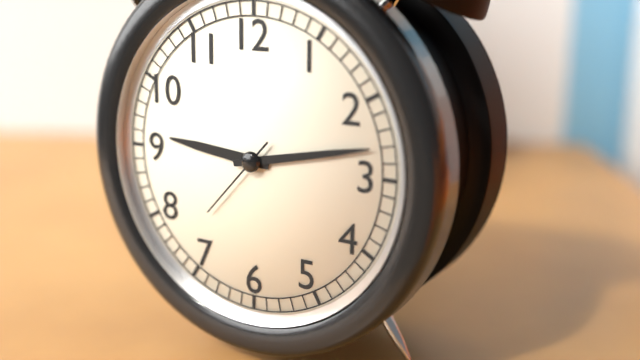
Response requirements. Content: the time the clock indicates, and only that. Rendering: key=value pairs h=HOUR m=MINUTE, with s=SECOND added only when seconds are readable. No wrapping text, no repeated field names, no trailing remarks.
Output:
h=9 m=13 s=37
